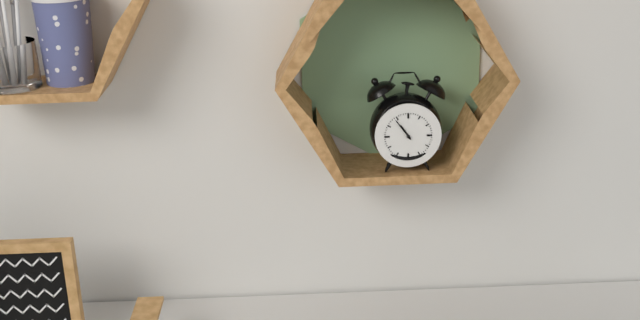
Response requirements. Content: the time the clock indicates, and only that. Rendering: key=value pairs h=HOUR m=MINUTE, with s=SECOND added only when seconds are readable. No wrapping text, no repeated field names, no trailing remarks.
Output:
h=10 m=54
